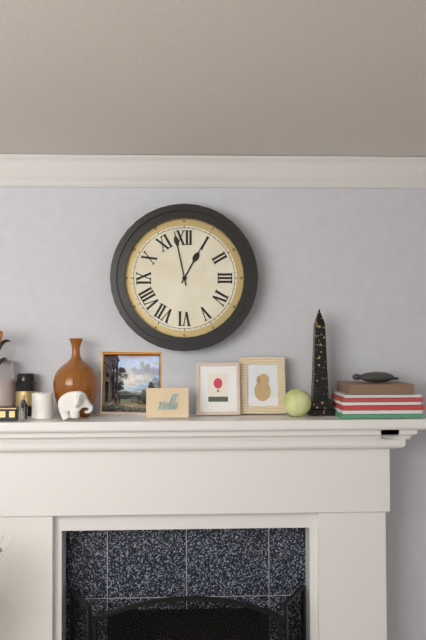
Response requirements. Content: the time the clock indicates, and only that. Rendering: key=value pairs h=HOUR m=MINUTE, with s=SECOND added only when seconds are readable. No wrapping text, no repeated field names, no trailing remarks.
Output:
h=12 m=58
